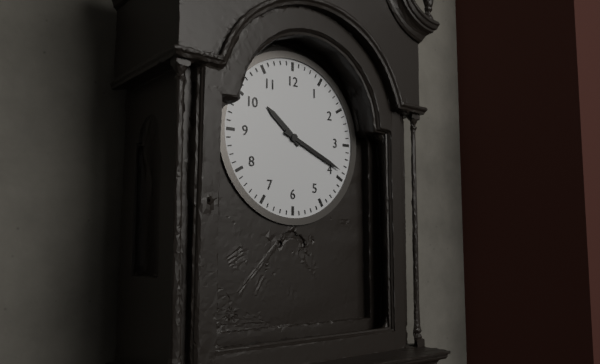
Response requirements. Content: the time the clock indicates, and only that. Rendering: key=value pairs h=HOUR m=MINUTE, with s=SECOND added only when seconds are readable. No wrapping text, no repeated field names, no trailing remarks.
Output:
h=10 m=19
